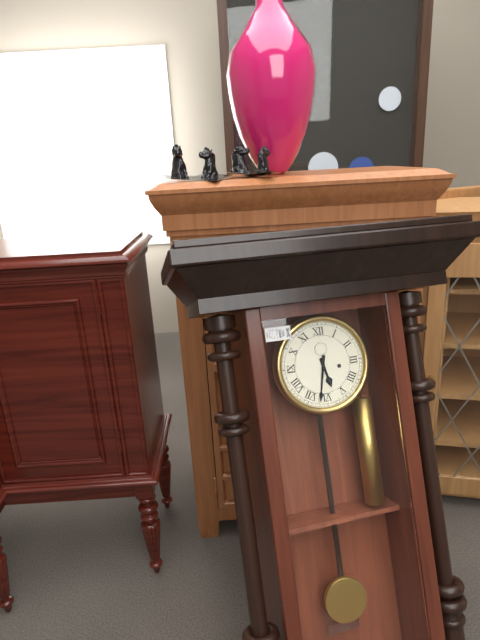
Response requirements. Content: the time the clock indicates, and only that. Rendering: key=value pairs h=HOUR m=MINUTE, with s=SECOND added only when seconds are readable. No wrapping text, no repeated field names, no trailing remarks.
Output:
h=5 m=32
